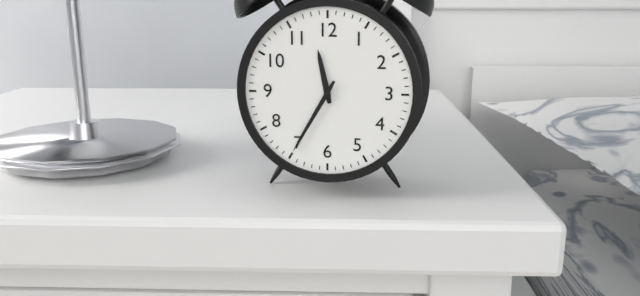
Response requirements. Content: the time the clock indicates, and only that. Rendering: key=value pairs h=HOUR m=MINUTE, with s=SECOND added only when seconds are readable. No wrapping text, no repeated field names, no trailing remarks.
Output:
h=11 m=35
